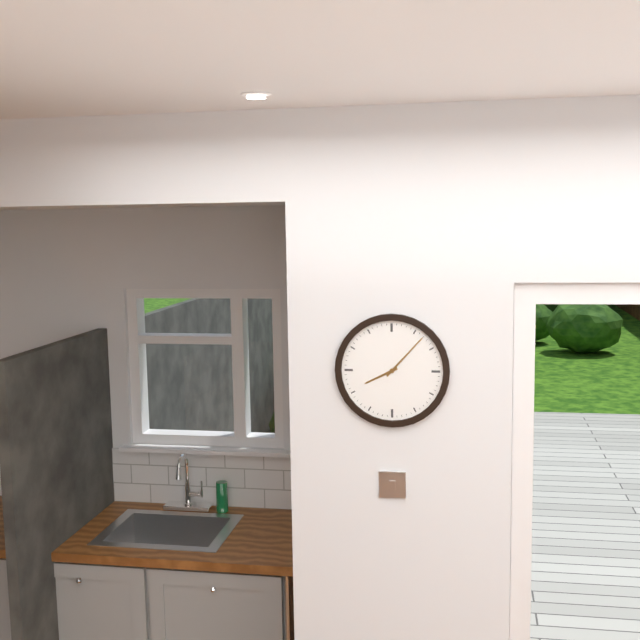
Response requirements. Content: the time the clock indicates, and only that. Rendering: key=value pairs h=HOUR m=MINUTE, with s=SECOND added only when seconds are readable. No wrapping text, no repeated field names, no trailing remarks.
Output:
h=8 m=7
